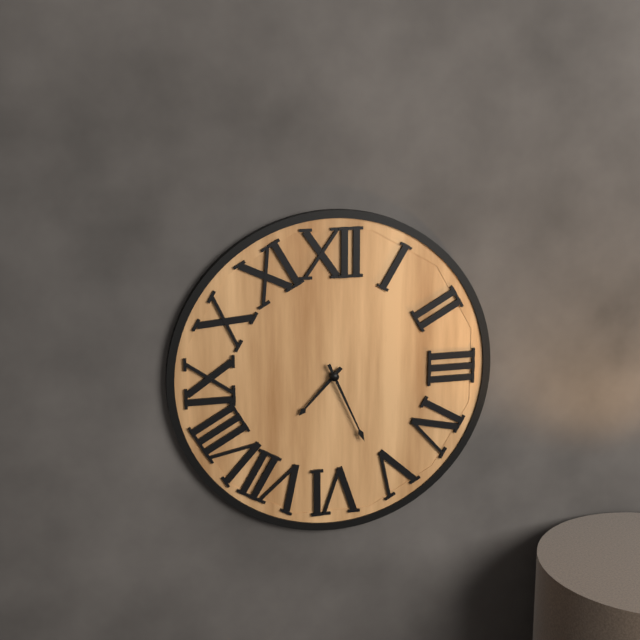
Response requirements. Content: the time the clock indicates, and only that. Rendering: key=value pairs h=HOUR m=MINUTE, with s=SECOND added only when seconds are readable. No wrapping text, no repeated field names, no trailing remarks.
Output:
h=7 m=26
